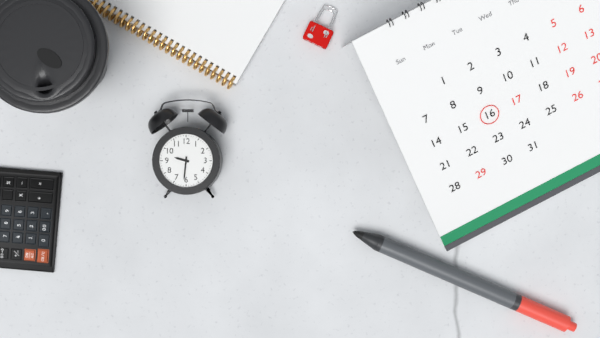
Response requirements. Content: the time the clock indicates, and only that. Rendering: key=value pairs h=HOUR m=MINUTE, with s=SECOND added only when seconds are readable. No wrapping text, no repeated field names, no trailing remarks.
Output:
h=9 m=31
